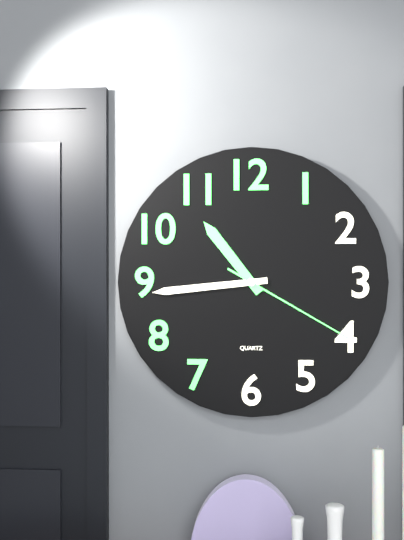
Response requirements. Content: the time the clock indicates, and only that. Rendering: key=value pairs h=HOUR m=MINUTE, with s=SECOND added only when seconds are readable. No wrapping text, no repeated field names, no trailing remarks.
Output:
h=10 m=44 s=20
